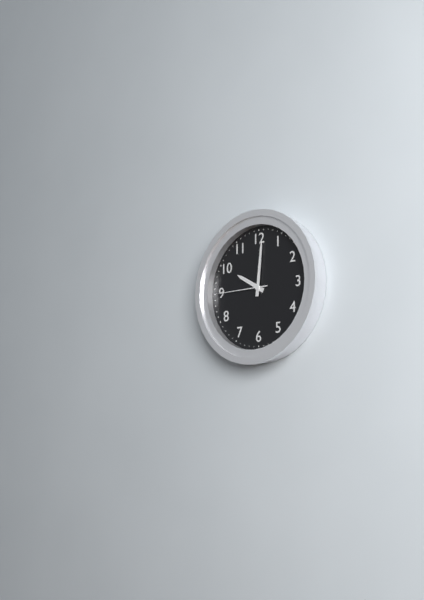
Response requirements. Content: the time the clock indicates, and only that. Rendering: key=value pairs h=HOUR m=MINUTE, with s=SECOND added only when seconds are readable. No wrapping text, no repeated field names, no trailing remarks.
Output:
h=10 m=1 s=45
